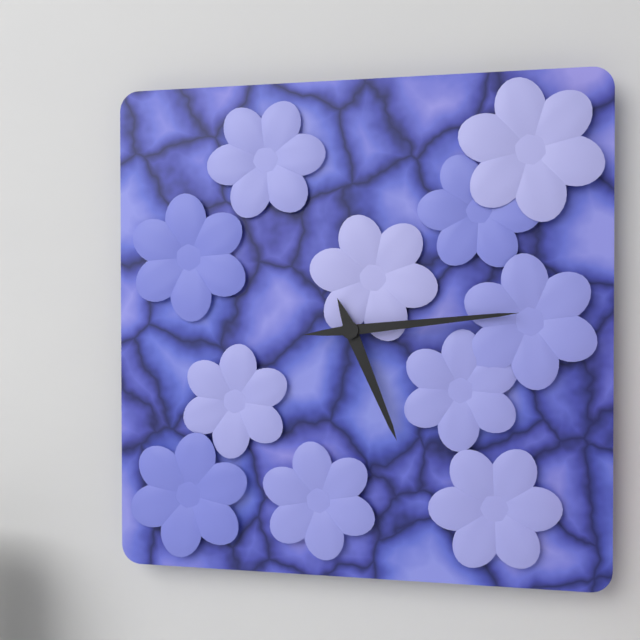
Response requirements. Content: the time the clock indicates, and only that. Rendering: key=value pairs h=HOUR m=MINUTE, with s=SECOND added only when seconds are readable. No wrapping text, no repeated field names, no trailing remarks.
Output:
h=5 m=14
